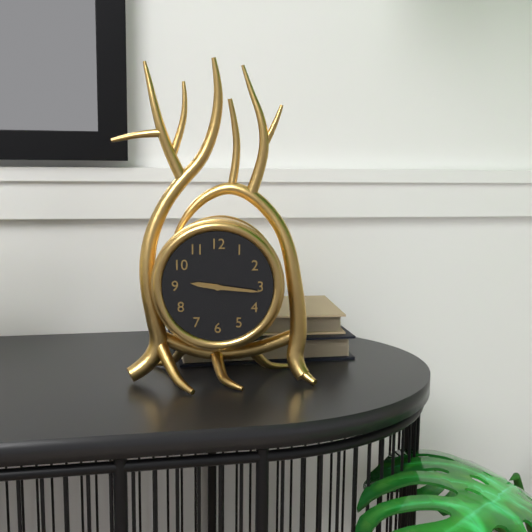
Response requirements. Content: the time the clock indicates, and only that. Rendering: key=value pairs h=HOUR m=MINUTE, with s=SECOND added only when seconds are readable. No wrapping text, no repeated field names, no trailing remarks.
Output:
h=9 m=16
